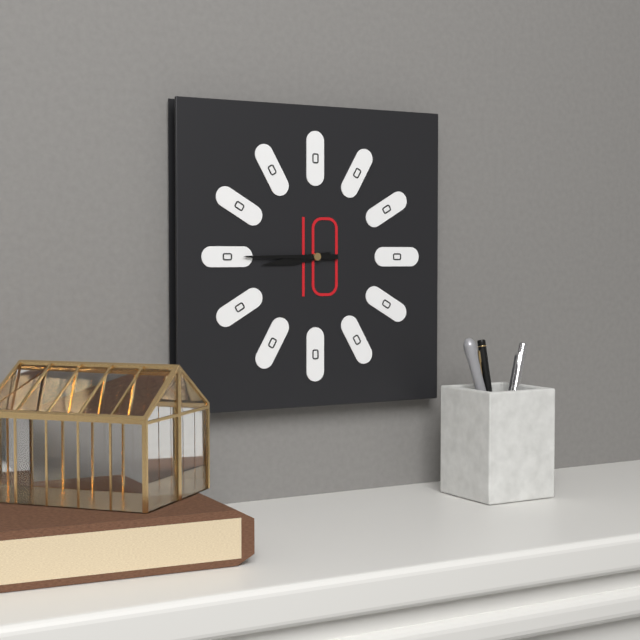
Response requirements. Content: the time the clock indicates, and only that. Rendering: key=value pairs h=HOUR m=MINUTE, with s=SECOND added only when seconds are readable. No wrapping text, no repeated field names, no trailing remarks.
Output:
h=8 m=45
